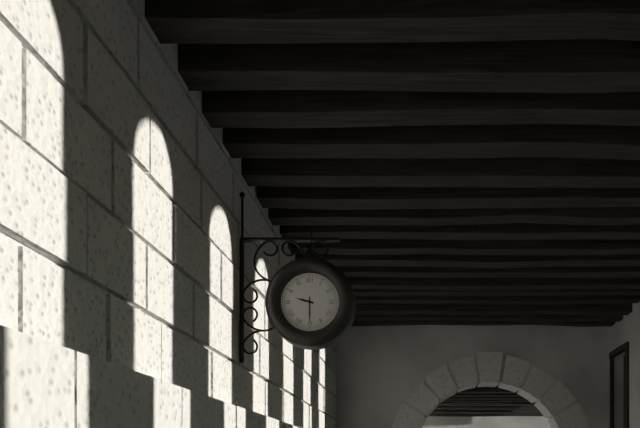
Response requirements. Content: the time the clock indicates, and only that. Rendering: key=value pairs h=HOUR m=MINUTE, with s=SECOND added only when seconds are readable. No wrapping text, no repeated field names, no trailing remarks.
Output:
h=9 m=30
